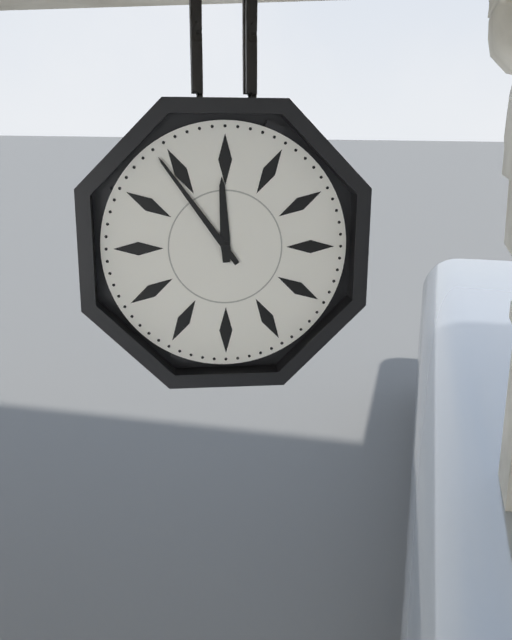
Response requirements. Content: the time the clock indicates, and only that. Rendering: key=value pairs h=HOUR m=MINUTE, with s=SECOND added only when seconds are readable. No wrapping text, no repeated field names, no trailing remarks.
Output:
h=11 m=54
